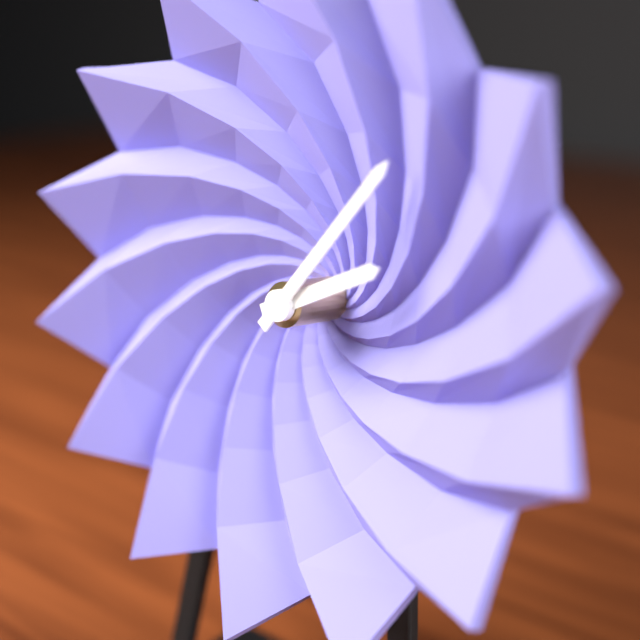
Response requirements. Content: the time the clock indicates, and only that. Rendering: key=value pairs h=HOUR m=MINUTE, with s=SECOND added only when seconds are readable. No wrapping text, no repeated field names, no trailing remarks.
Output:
h=2 m=6
